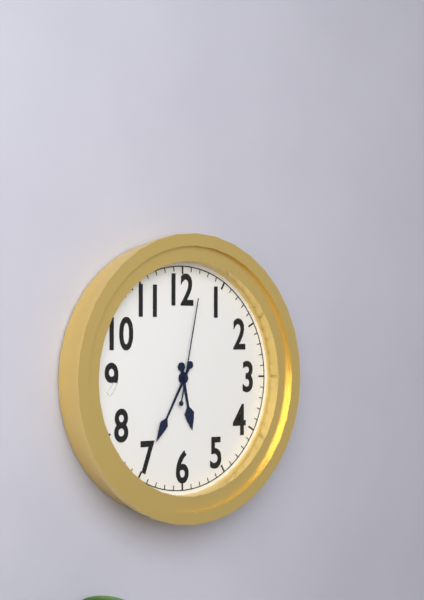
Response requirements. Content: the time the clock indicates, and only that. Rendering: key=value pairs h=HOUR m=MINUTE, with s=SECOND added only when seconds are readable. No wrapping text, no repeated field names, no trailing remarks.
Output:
h=5 m=35 s=2
